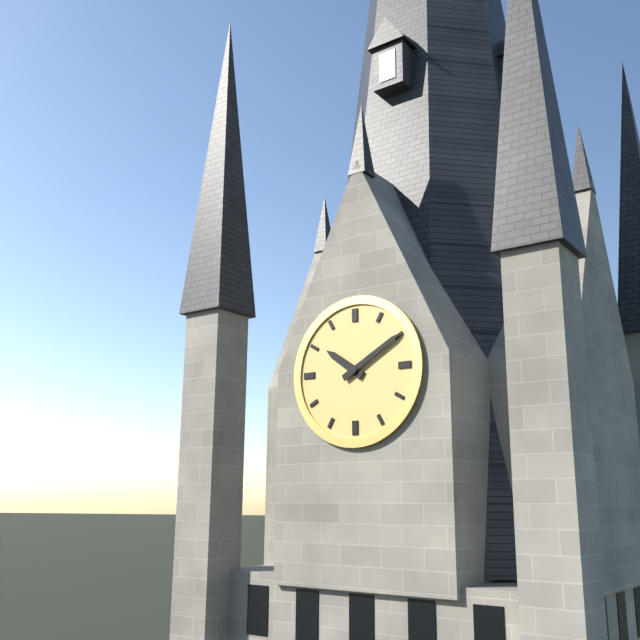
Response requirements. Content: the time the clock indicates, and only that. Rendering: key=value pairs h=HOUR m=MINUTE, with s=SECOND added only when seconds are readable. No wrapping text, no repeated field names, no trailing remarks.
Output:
h=10 m=10
